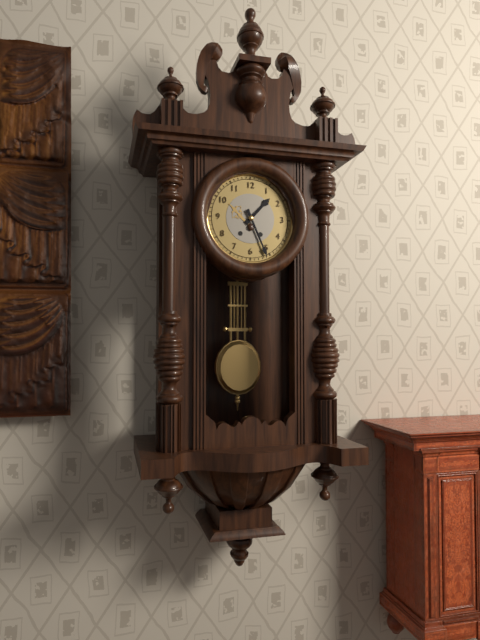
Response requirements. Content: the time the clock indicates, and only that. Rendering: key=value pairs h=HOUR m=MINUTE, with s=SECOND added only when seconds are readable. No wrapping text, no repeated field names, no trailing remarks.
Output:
h=1 m=26
